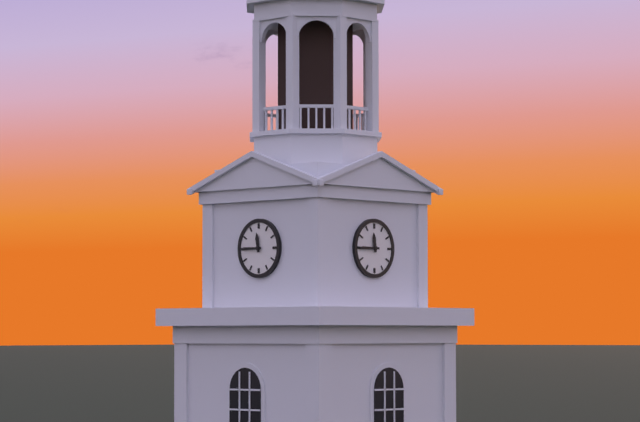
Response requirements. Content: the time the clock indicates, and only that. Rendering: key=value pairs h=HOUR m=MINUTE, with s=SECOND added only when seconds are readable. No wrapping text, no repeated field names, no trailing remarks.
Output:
h=11 m=45
